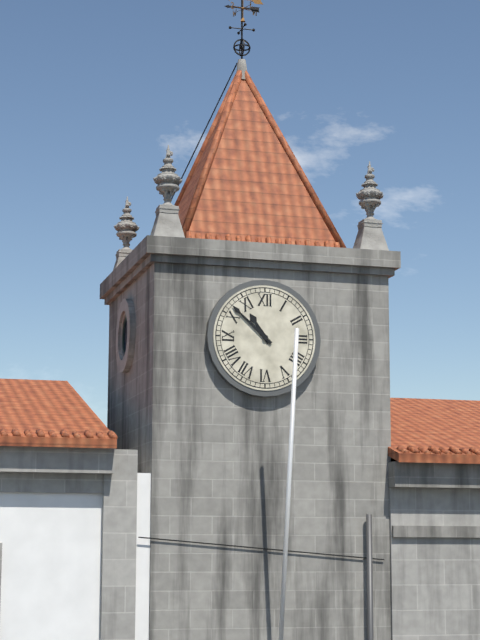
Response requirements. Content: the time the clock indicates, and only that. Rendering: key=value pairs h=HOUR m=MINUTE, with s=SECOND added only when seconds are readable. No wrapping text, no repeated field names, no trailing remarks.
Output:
h=10 m=52
